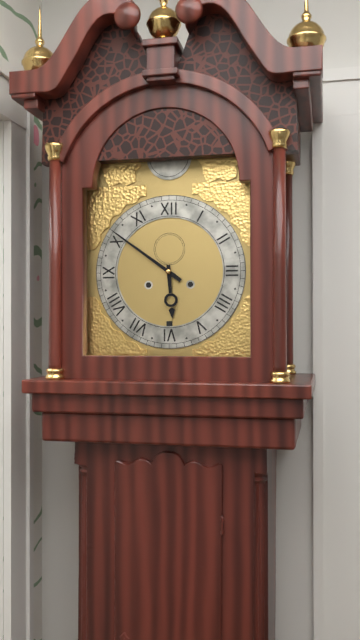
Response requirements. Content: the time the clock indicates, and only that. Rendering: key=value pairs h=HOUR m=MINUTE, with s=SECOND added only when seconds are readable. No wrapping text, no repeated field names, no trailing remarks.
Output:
h=5 m=51
